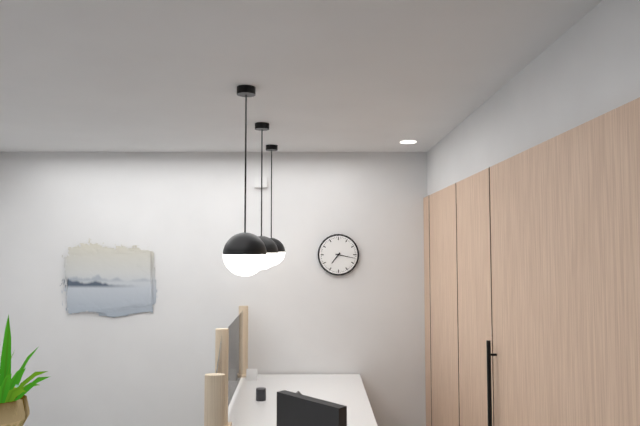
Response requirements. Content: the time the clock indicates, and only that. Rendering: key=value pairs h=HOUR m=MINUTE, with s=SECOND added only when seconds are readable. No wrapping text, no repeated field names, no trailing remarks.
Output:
h=7 m=17
